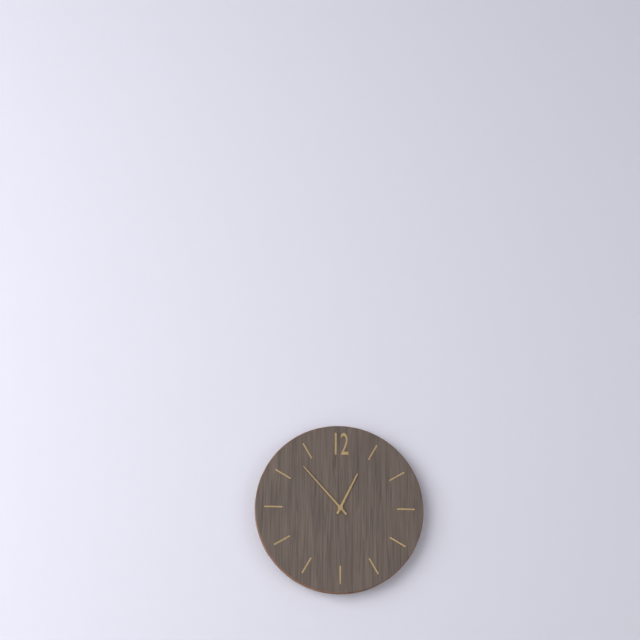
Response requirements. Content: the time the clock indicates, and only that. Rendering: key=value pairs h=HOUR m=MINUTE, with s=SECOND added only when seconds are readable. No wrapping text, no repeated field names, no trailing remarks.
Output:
h=12 m=53
